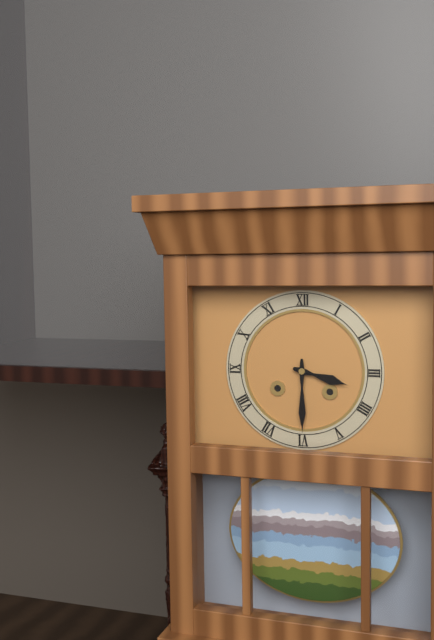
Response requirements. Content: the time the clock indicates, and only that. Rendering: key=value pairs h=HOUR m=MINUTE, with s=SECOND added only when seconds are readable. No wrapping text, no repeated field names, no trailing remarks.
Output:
h=3 m=30
